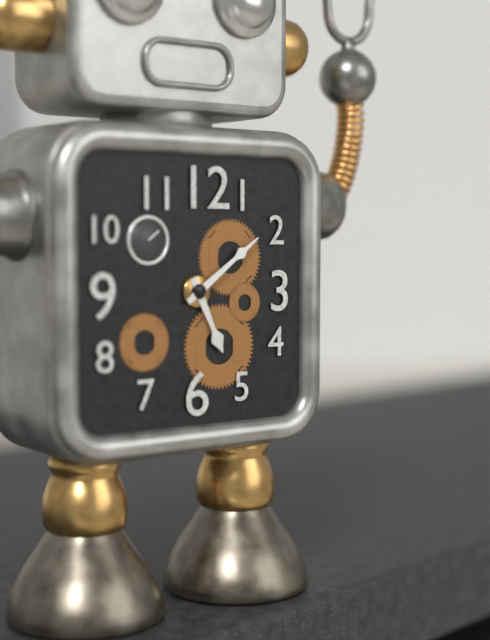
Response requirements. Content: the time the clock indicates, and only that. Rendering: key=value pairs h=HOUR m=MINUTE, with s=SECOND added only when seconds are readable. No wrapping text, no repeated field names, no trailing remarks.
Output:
h=5 m=9
